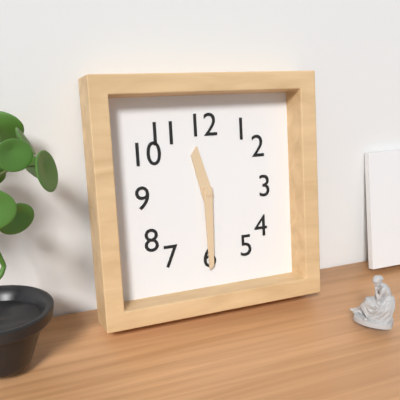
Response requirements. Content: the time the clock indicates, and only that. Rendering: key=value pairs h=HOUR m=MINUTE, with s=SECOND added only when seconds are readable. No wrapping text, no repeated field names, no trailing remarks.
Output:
h=11 m=30
